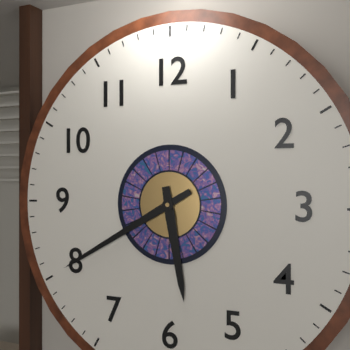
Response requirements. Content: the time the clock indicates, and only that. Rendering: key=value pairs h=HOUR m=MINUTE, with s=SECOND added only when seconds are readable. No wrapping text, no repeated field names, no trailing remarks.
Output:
h=5 m=40
